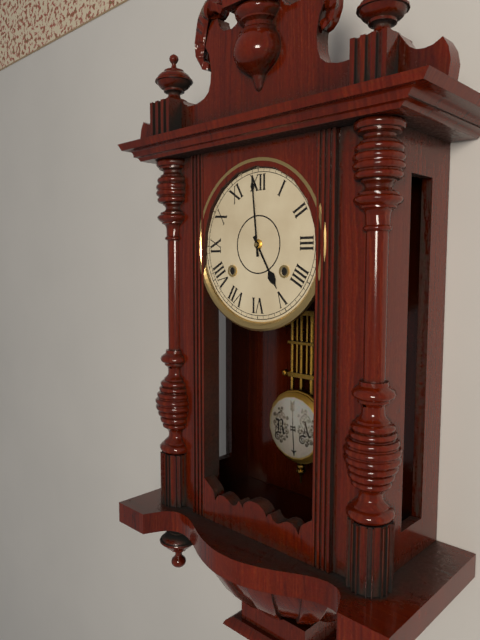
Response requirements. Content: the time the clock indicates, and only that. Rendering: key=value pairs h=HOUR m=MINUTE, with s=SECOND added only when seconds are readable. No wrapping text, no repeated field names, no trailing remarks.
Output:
h=4 m=59
